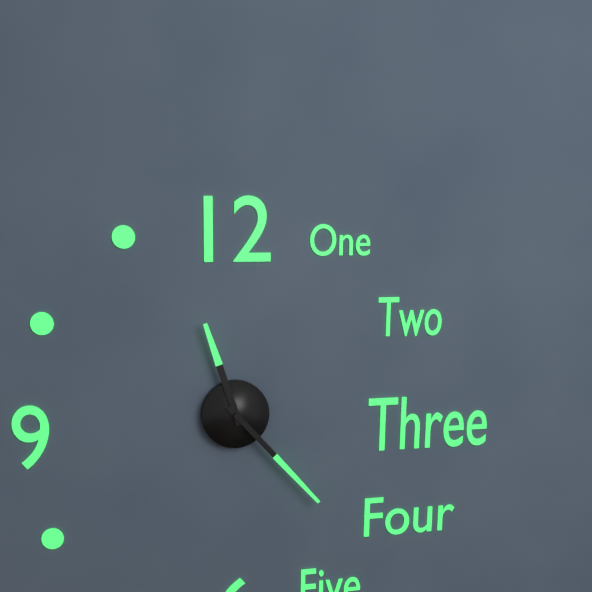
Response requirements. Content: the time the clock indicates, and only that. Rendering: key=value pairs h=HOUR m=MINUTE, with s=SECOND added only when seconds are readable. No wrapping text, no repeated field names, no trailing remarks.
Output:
h=11 m=23
